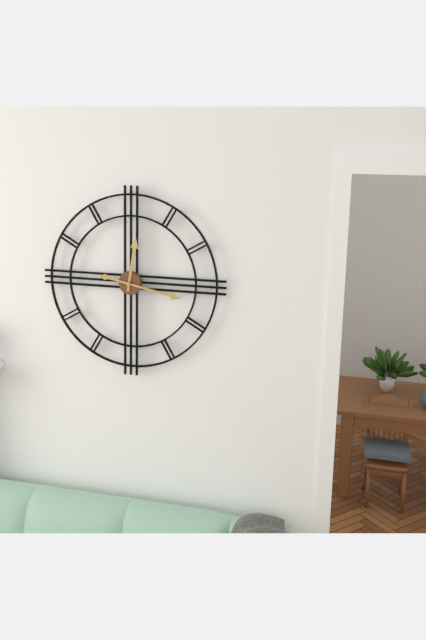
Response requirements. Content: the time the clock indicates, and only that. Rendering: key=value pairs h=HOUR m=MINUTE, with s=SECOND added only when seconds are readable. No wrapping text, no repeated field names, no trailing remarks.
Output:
h=12 m=17
